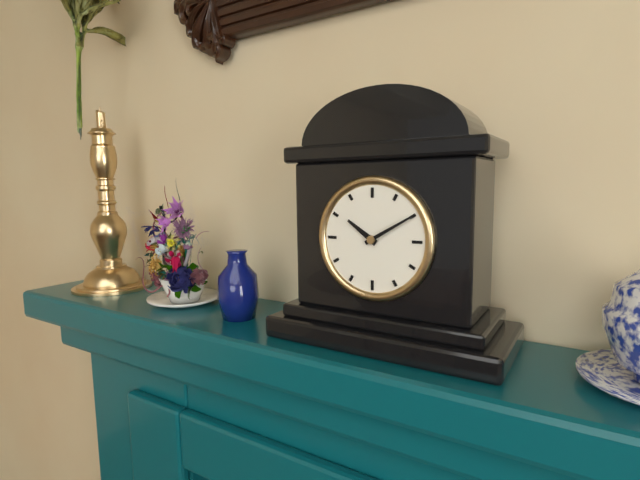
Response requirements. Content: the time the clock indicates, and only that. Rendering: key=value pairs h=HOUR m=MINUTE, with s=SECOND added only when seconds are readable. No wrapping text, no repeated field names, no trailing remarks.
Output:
h=10 m=10
